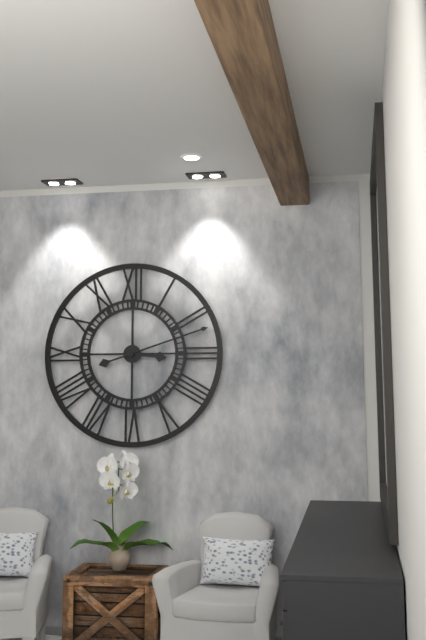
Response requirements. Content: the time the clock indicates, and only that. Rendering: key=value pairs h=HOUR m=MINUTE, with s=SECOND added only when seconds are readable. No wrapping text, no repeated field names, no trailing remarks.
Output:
h=3 m=12
